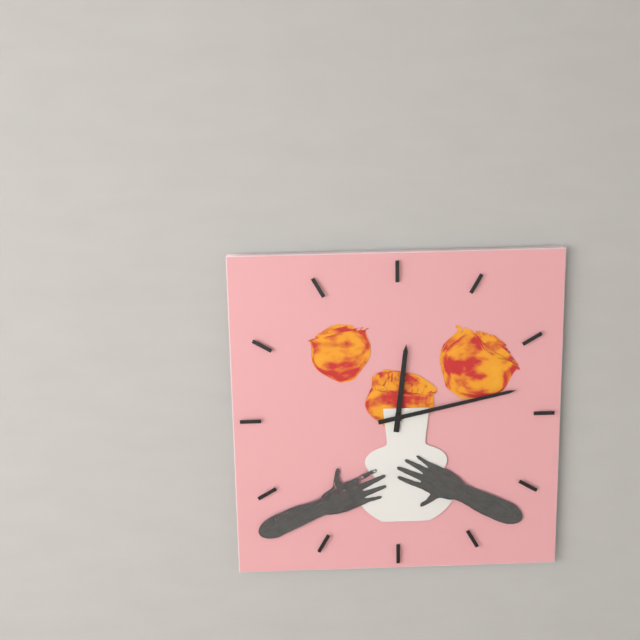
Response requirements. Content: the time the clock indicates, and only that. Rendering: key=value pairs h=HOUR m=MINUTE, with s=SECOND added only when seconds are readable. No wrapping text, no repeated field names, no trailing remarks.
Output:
h=12 m=13
